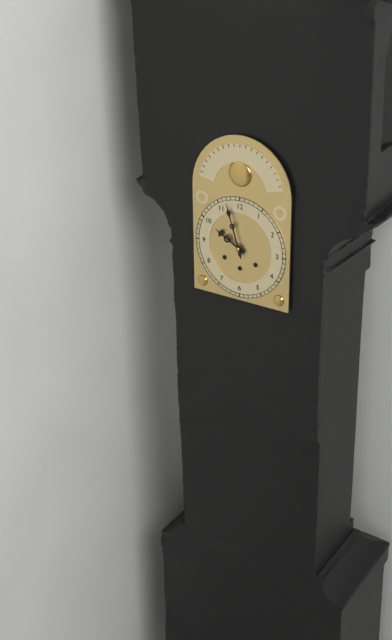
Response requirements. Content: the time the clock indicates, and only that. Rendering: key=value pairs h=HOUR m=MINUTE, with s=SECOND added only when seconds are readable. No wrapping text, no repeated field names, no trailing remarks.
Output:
h=9 m=57
